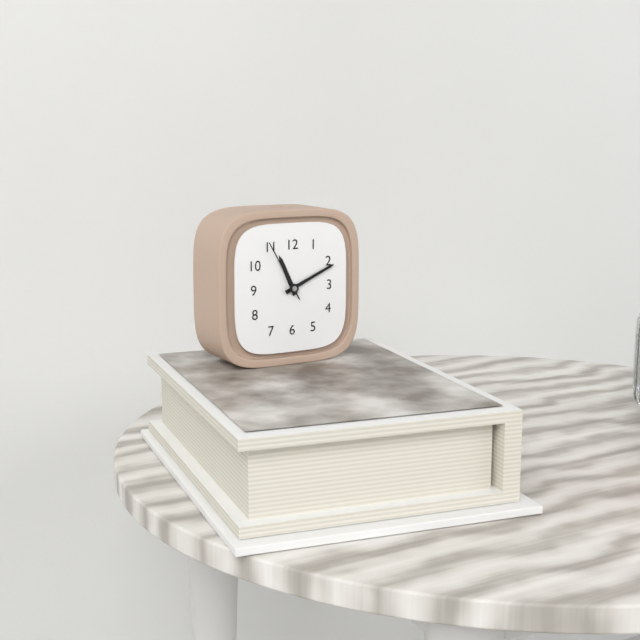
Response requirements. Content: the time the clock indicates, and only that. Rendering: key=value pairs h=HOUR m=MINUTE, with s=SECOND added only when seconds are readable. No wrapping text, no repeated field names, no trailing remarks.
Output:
h=11 m=11 s=55
